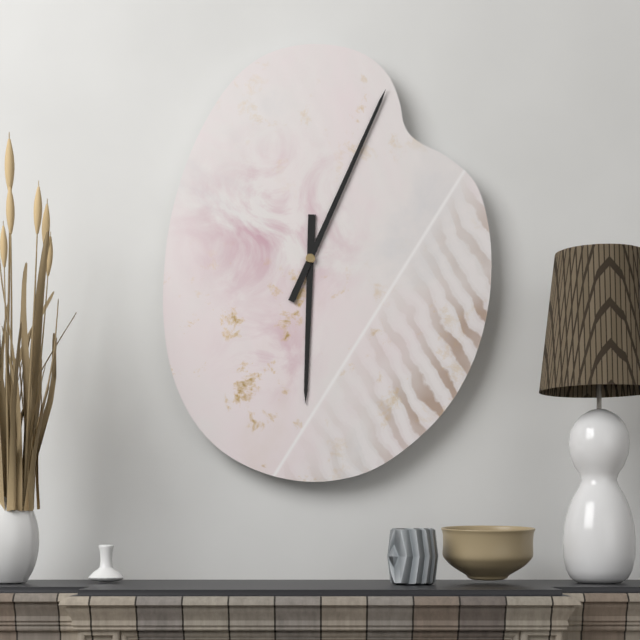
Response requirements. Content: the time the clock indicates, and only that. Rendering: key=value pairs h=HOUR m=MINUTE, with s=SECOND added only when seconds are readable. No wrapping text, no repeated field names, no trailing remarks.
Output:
h=6 m=4
